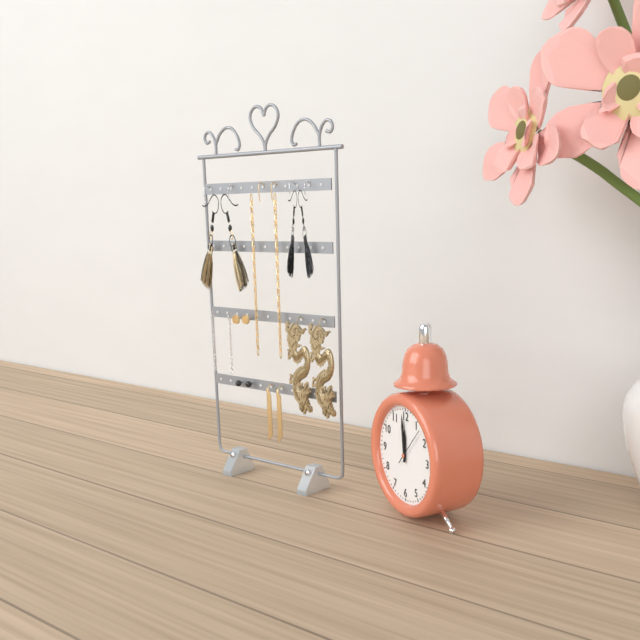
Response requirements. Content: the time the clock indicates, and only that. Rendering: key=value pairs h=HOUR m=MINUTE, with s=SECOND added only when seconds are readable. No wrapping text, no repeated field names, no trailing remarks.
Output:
h=11 m=59
